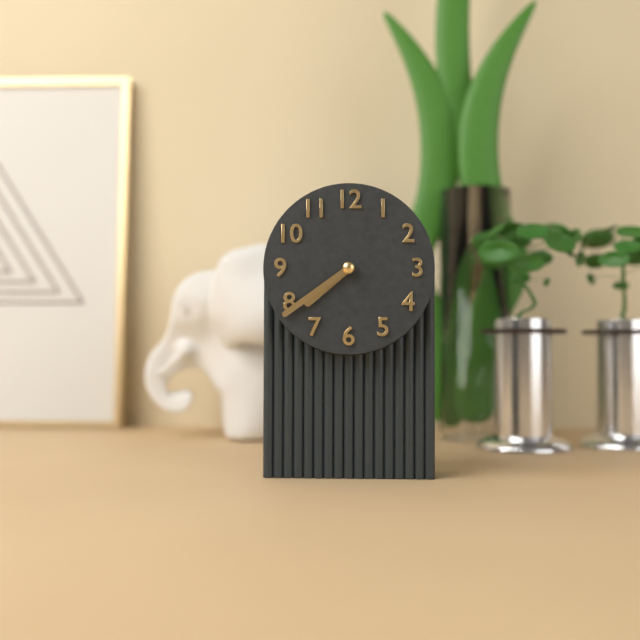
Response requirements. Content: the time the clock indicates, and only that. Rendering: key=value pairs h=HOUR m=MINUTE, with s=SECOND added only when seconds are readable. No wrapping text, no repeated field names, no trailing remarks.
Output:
h=7 m=39
